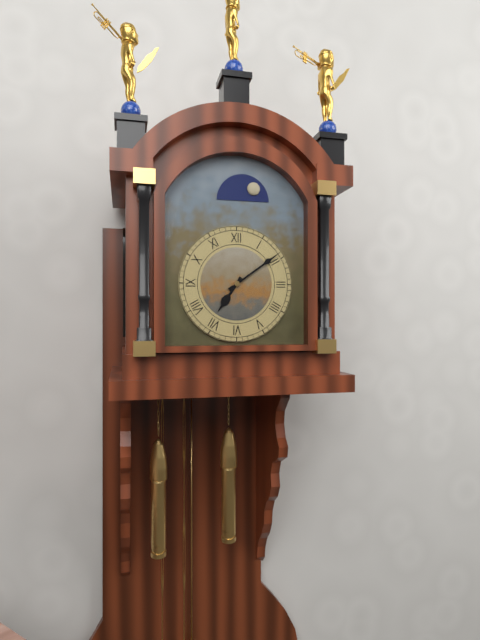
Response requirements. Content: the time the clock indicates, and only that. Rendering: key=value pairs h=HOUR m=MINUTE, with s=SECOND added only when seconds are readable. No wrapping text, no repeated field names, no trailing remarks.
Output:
h=7 m=9
